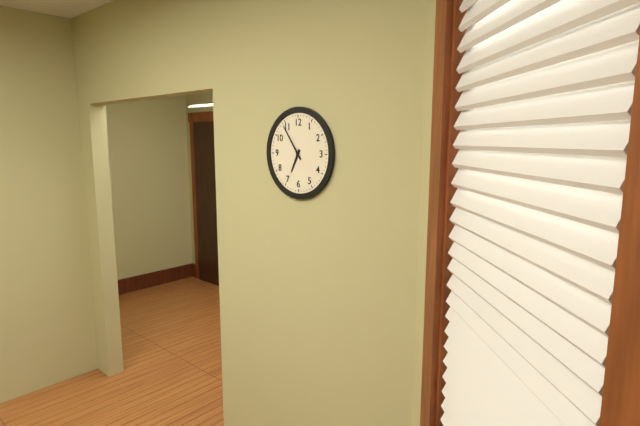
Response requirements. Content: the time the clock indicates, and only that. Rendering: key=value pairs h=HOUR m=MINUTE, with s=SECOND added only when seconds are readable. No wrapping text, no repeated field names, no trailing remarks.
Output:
h=6 m=54
